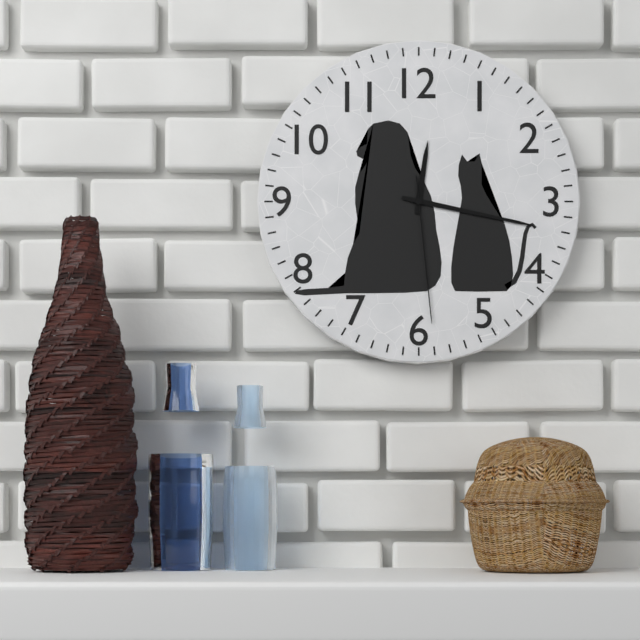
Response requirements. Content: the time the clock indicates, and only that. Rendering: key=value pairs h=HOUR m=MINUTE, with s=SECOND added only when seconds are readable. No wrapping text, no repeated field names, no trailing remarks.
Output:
h=12 m=17 s=29
